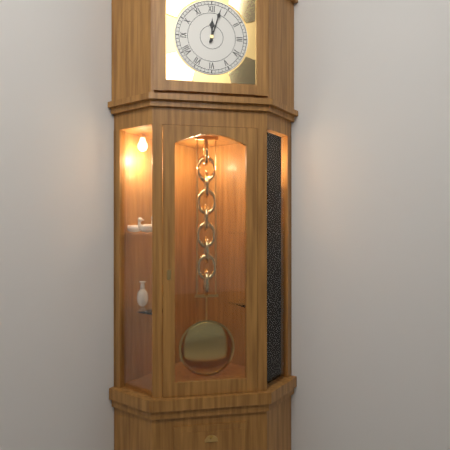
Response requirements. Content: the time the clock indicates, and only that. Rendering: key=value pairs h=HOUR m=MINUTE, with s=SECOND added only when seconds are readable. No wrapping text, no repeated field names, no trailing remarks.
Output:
h=12 m=3
